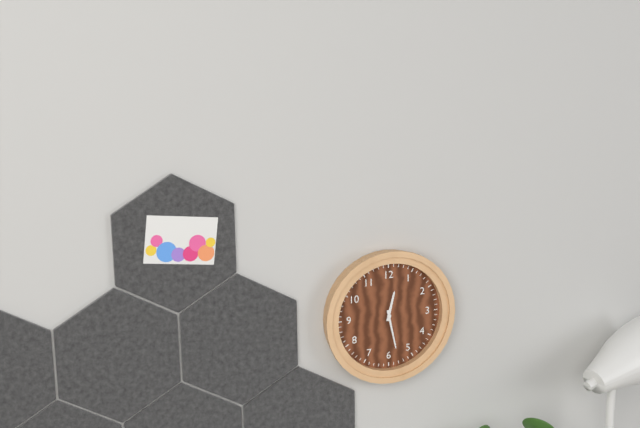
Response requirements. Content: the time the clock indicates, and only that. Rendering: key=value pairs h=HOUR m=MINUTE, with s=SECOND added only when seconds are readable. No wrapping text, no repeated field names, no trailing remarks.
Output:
h=12 m=28
